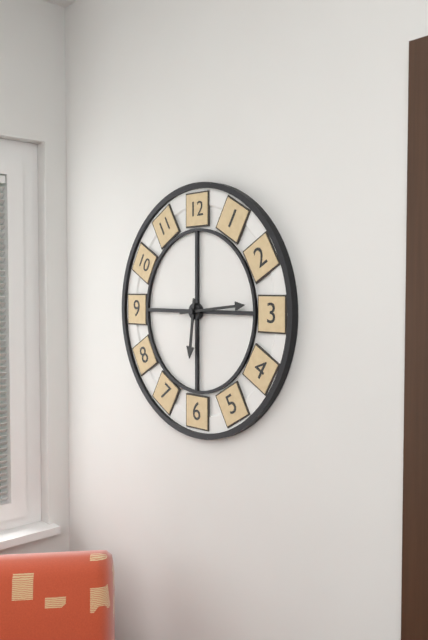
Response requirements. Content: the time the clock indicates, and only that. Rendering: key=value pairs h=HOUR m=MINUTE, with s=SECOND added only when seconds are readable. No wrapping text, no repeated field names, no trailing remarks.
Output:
h=6 m=14
